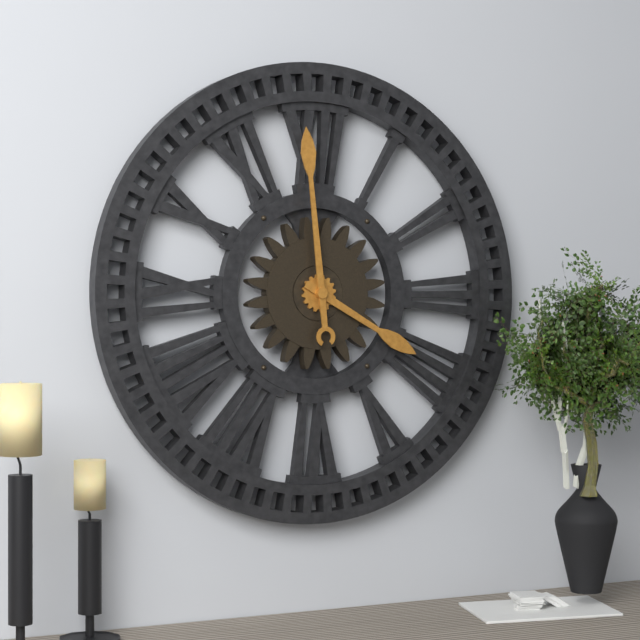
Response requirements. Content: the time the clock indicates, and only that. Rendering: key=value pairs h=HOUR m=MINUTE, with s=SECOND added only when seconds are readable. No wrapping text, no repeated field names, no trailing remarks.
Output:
h=3 m=59
